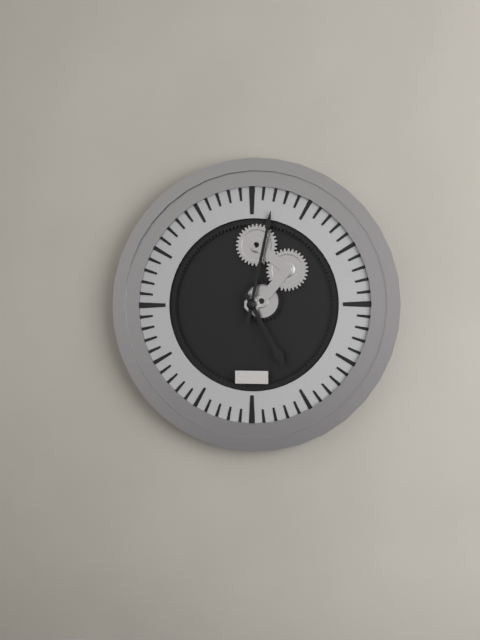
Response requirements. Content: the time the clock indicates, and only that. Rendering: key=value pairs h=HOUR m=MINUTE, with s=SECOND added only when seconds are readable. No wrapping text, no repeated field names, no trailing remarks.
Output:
h=5 m=2
